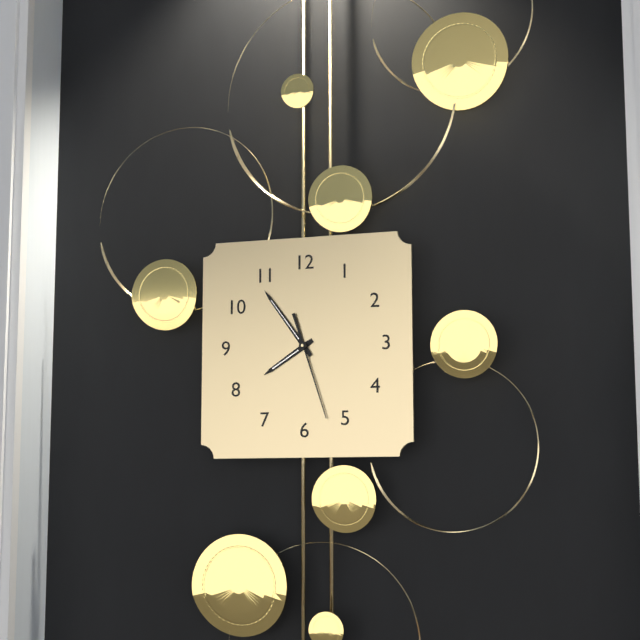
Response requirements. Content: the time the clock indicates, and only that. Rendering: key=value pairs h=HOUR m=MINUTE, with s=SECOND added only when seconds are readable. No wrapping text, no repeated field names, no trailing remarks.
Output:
h=7 m=54 s=27
